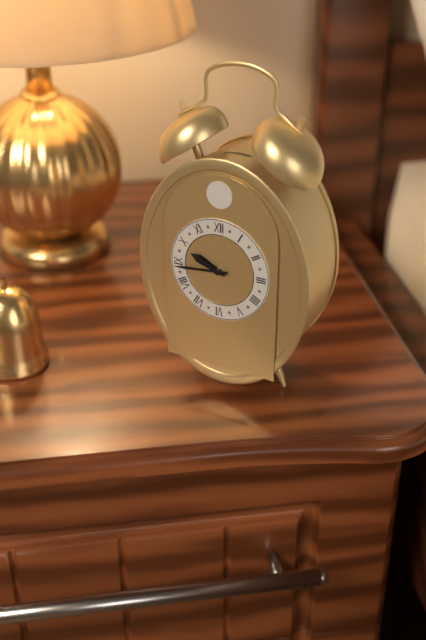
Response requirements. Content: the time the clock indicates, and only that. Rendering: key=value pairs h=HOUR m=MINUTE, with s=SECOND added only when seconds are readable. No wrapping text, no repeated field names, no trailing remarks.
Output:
h=9 m=44
